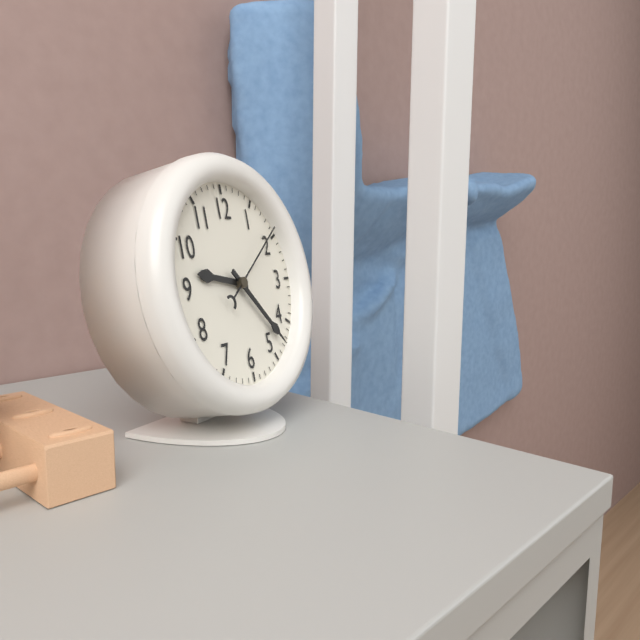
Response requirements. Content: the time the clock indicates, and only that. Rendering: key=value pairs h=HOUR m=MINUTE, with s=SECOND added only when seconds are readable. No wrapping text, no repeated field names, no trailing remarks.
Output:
h=9 m=23 s=9
